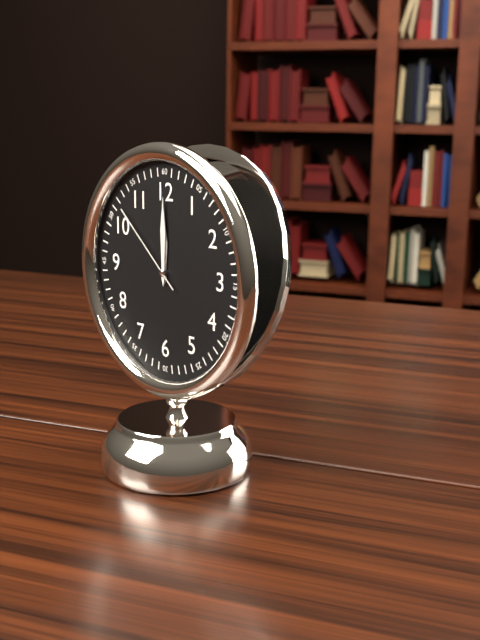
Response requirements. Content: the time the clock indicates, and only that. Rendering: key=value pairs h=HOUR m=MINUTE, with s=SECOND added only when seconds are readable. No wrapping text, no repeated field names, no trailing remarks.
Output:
h=12 m=0 s=52
